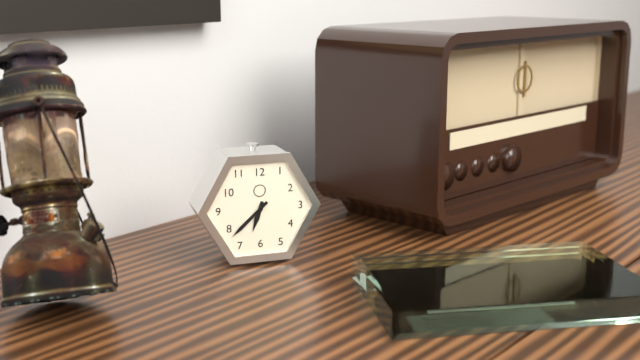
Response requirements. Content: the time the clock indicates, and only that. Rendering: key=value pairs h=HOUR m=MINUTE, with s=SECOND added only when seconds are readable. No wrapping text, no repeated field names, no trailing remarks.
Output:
h=6 m=38
